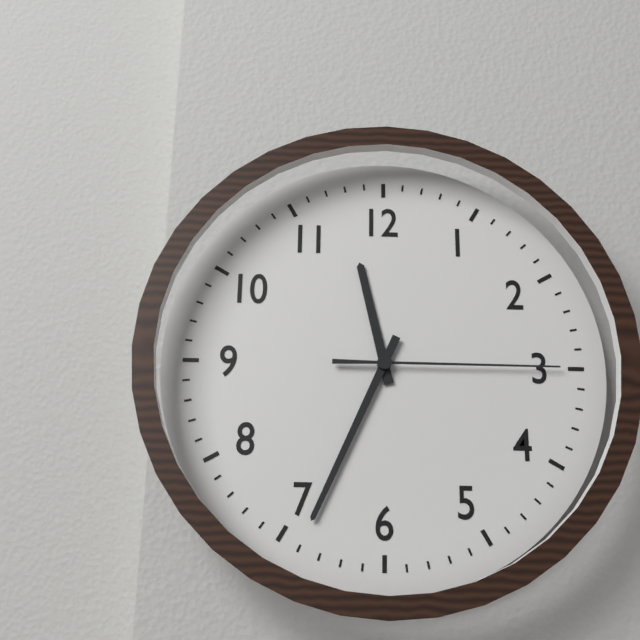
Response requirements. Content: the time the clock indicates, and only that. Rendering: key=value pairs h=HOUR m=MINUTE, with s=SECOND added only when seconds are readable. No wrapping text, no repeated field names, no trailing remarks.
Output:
h=11 m=34 s=15
